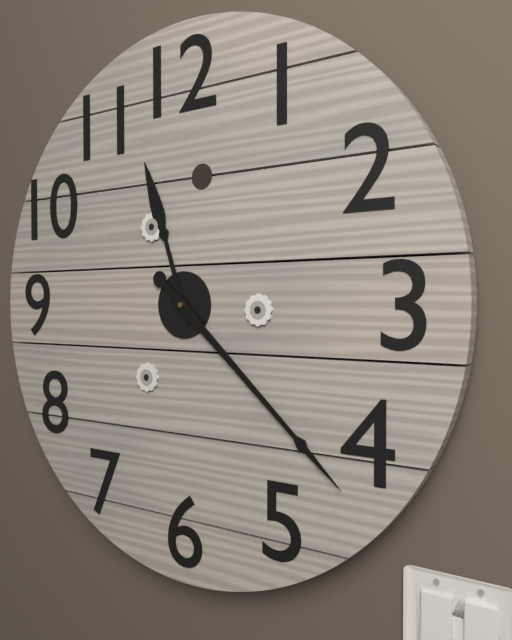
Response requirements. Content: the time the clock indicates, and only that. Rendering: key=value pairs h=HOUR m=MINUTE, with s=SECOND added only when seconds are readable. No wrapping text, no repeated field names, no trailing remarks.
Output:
h=11 m=22
